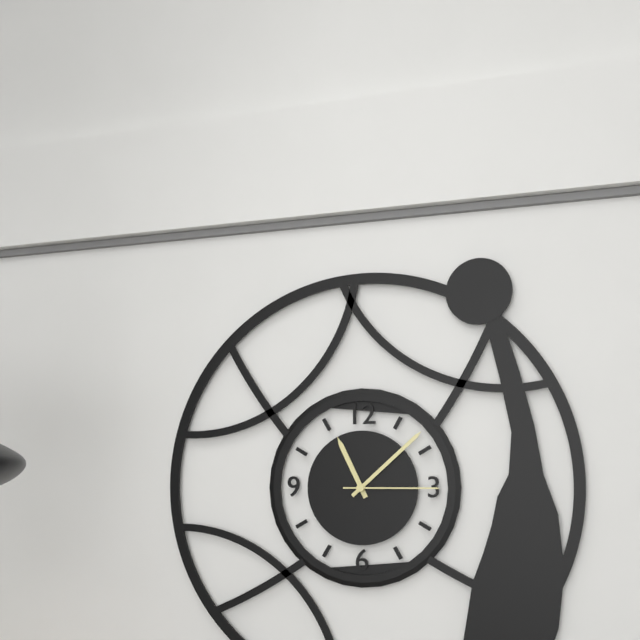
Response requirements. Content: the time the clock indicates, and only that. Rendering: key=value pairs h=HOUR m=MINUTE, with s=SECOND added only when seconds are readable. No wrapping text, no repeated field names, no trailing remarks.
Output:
h=11 m=8 s=15
